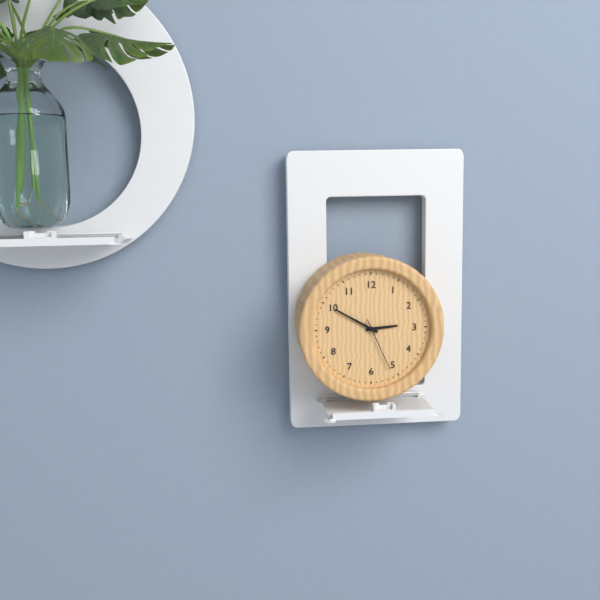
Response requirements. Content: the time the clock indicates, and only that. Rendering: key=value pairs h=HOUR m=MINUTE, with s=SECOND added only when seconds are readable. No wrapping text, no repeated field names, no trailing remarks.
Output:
h=2 m=50 s=26
